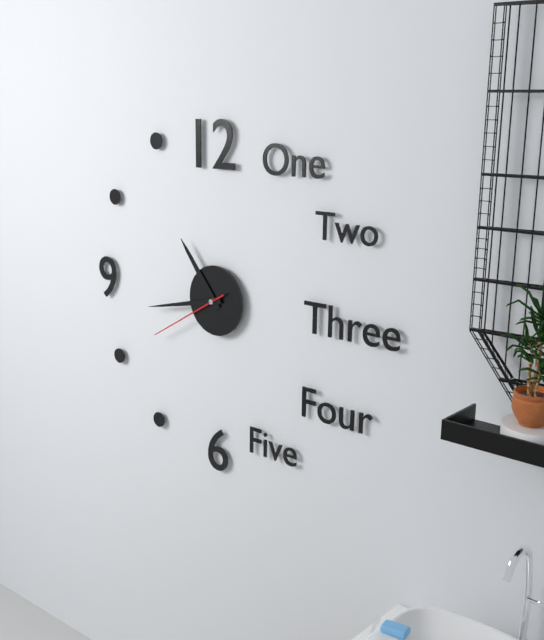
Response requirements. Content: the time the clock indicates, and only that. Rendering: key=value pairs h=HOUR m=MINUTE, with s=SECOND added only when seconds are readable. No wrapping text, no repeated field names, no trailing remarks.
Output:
h=10 m=43 s=40
